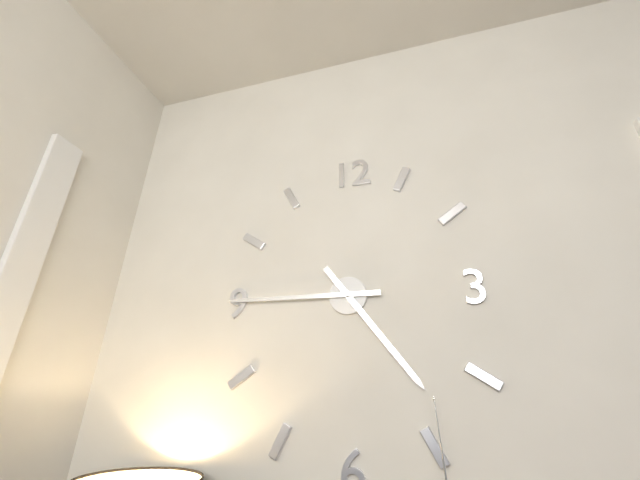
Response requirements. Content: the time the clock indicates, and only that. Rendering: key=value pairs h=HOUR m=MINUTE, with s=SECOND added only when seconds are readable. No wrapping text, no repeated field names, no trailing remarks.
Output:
h=4 m=45
